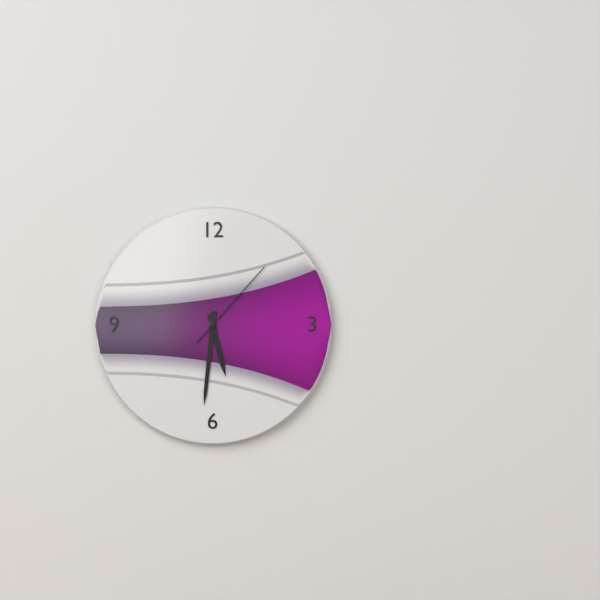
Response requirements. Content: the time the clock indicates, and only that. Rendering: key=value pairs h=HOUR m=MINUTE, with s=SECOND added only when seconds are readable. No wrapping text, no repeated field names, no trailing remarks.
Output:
h=5 m=31 s=7
